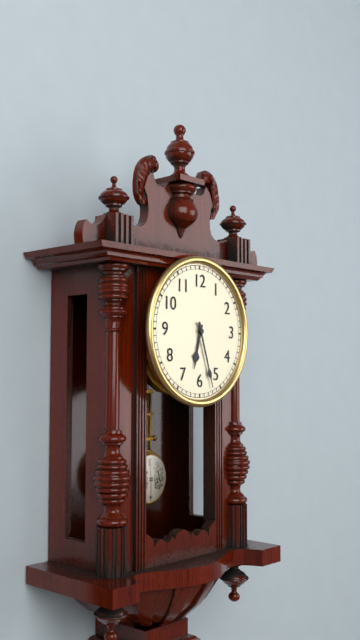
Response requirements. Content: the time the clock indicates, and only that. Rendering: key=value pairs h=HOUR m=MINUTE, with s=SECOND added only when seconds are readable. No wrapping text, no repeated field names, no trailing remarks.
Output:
h=6 m=27
